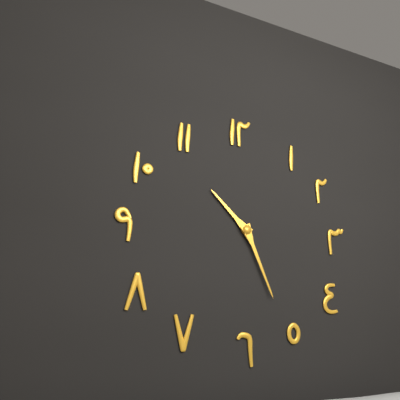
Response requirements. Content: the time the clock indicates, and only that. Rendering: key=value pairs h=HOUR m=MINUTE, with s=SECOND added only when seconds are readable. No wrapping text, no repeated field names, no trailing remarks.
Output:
h=10 m=26
